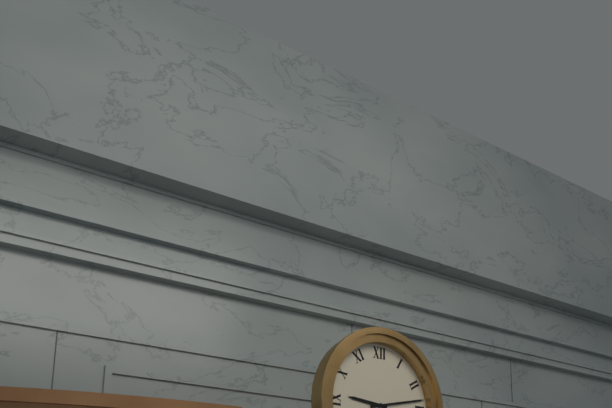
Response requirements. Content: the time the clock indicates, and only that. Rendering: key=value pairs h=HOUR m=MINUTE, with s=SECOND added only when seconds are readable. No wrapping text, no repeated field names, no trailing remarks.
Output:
h=9 m=13
